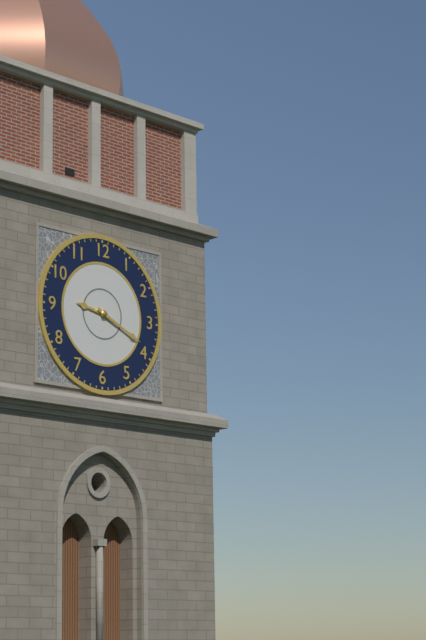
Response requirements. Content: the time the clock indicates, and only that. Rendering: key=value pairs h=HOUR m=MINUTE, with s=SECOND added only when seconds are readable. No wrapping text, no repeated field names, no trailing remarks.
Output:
h=9 m=19
